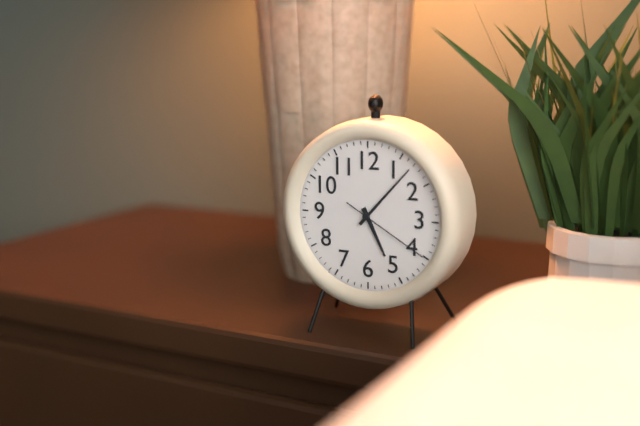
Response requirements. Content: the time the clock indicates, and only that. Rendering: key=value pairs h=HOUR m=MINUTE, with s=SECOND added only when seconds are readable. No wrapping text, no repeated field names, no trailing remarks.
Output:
h=5 m=7 s=20
